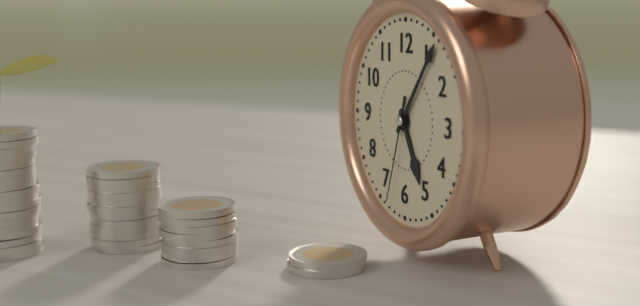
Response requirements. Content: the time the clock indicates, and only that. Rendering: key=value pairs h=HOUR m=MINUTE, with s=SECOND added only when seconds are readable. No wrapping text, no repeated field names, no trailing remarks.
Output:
h=5 m=6 s=33
